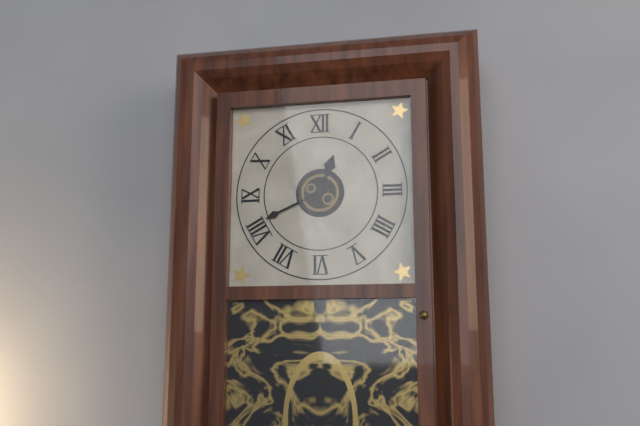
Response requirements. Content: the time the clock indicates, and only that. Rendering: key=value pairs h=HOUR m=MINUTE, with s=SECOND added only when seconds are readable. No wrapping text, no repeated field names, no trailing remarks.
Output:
h=12 m=41
